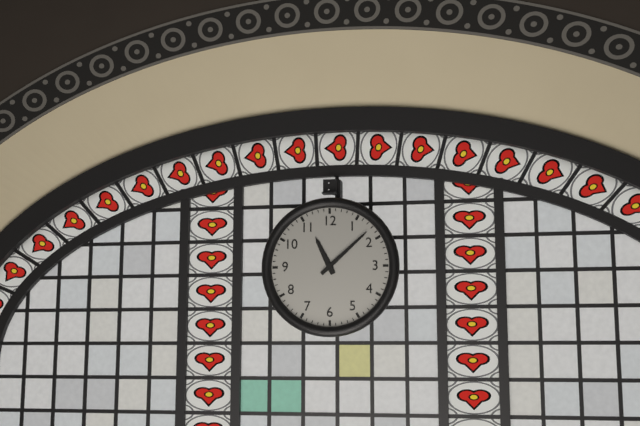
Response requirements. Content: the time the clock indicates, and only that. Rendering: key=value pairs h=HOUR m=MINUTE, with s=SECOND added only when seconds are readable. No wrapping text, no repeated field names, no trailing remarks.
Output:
h=11 m=8
